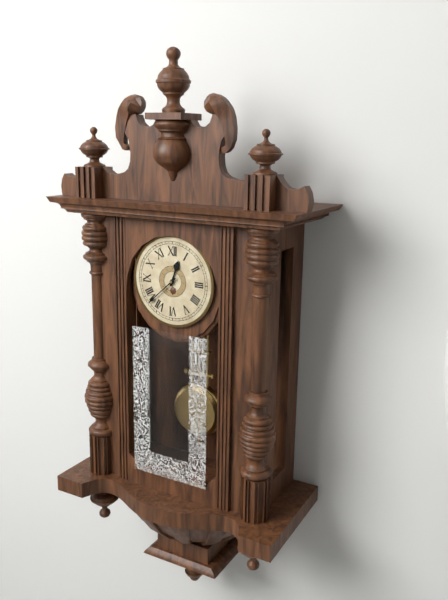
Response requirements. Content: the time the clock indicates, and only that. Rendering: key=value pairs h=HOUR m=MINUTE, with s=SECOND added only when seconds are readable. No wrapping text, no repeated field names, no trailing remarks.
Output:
h=12 m=38
